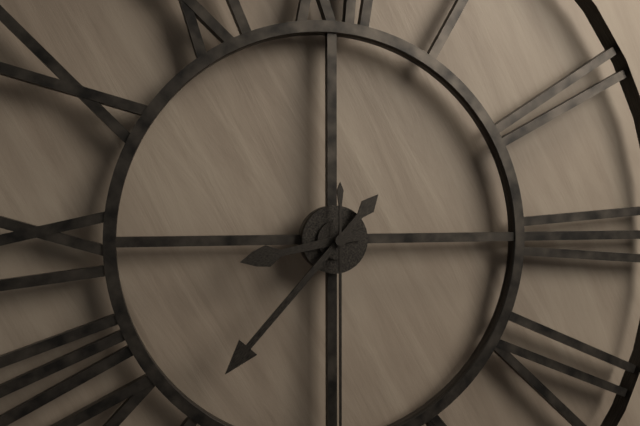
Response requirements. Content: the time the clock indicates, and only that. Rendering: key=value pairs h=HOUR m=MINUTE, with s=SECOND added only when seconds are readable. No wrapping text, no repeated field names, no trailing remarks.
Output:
h=8 m=37
